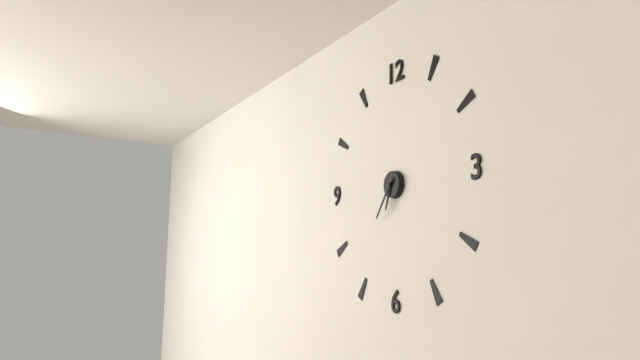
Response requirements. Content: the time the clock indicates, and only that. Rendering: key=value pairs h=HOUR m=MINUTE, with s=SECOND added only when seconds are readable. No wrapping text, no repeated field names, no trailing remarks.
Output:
h=6 m=36
